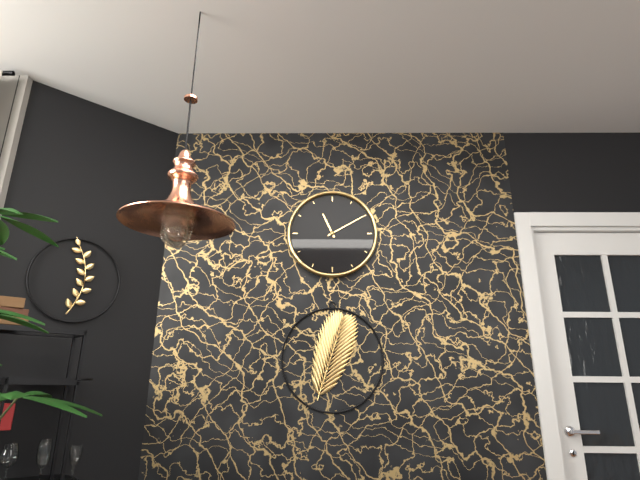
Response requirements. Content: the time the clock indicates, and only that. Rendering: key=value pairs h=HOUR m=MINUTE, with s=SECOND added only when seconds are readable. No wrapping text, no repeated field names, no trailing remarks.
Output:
h=11 m=10
